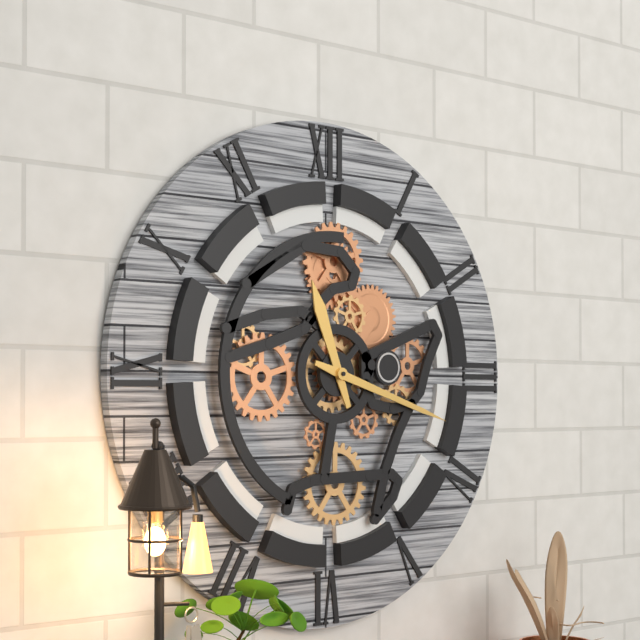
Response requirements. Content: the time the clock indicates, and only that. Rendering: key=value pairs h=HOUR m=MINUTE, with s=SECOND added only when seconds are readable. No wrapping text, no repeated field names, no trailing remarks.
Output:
h=11 m=18
